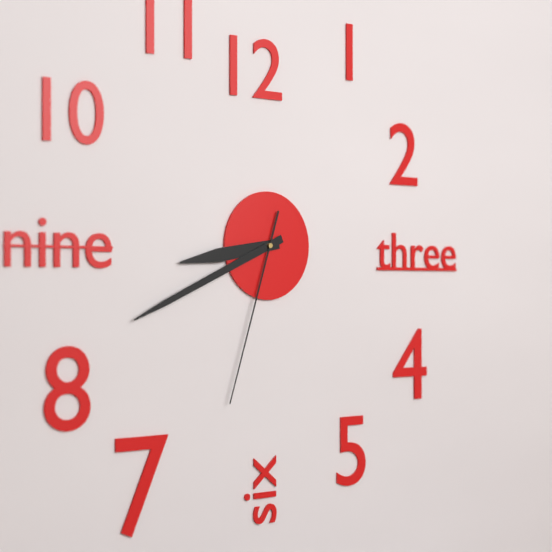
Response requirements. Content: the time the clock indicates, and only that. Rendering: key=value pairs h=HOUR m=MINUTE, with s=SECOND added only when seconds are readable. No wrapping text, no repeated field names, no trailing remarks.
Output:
h=8 m=41 s=33
